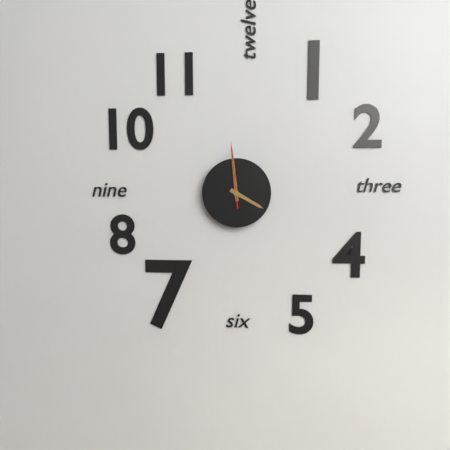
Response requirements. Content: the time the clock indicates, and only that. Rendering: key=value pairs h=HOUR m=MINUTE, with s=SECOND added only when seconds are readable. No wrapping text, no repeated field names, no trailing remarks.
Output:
h=3 m=59 s=59
